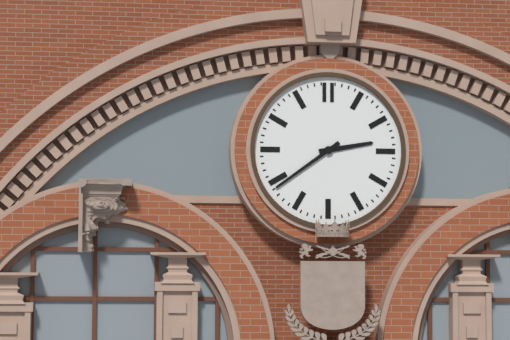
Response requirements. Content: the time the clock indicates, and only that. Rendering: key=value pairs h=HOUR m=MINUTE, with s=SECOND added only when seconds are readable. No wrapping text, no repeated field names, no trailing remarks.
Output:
h=2 m=39
